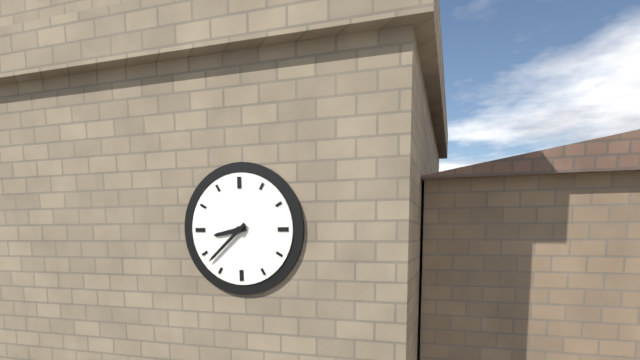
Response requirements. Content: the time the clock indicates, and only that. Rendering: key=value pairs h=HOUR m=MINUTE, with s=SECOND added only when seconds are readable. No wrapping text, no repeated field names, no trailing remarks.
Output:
h=8 m=38
